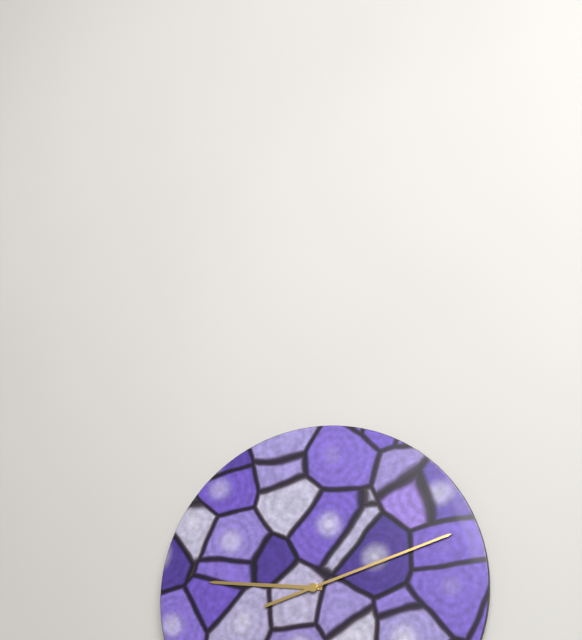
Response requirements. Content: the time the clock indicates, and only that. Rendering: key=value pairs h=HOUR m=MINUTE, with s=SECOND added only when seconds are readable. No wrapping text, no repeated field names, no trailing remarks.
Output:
h=9 m=12
